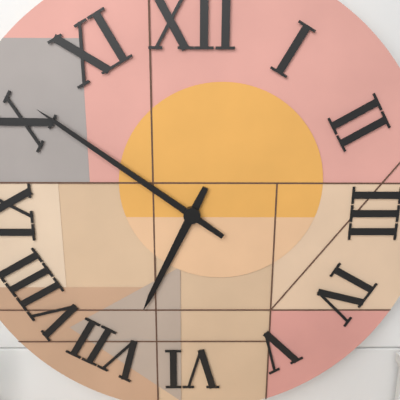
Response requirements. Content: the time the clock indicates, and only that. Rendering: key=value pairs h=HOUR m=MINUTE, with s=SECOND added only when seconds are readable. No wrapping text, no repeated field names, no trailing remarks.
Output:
h=6 m=51
